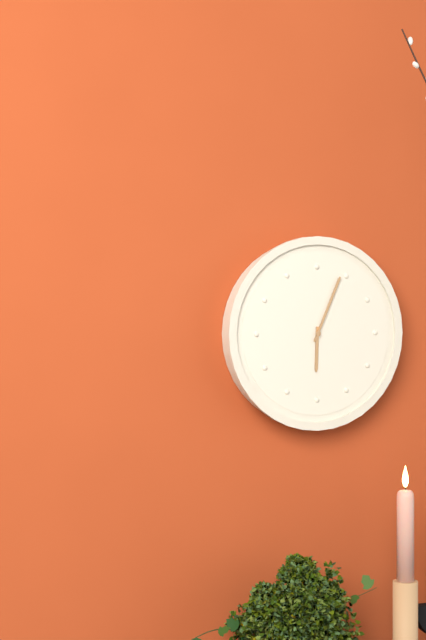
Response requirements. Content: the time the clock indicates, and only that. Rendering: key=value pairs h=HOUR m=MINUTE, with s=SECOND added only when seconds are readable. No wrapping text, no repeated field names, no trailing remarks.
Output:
h=6 m=4
